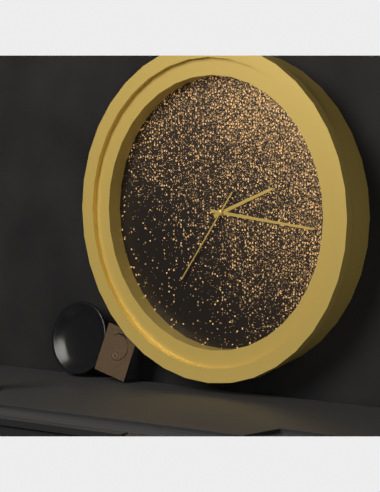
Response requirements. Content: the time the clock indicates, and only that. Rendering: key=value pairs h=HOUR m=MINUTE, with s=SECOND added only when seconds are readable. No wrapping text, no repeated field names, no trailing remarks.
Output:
h=2 m=16 s=36
